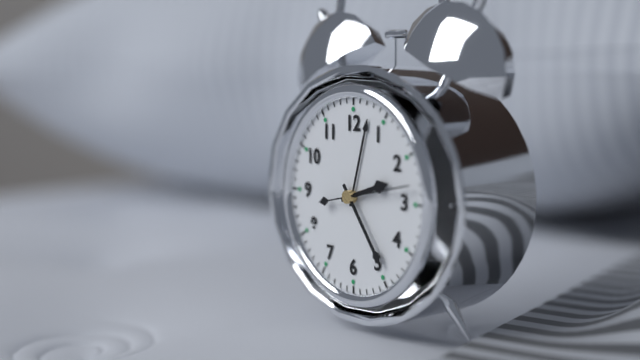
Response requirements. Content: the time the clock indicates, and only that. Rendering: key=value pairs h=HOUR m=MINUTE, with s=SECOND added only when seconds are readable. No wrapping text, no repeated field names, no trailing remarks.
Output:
h=2 m=24 s=13
